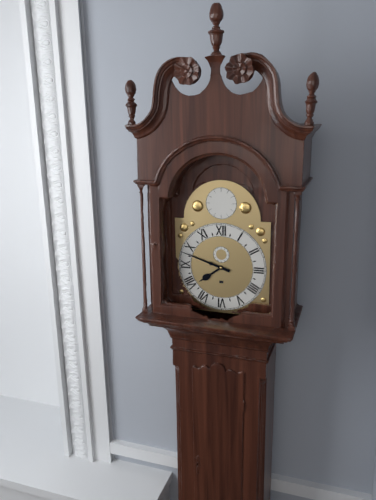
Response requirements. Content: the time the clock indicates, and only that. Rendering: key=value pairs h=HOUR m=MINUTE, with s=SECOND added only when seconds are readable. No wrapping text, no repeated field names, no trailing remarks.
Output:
h=7 m=48
